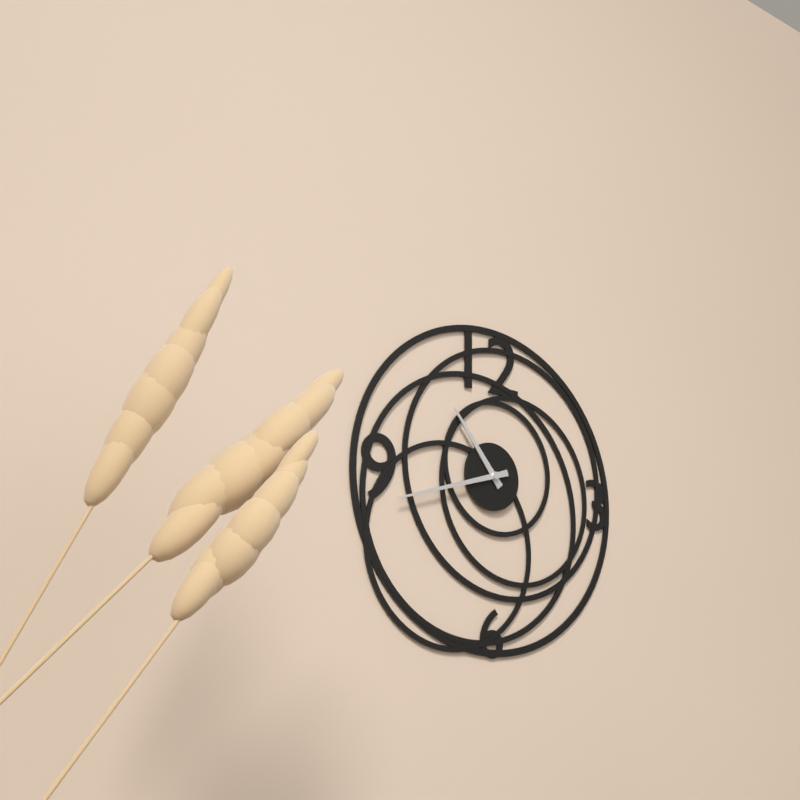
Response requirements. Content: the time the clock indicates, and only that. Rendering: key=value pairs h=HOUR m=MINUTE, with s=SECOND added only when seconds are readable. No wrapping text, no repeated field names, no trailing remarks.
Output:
h=10 m=42
